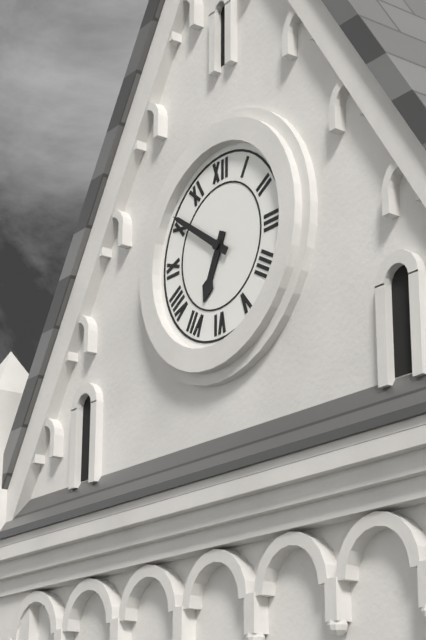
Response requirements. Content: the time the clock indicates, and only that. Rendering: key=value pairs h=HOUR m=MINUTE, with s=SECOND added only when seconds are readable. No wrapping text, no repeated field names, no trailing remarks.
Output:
h=6 m=51
